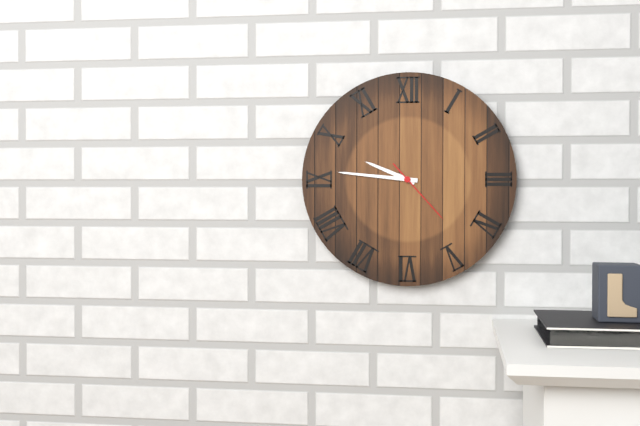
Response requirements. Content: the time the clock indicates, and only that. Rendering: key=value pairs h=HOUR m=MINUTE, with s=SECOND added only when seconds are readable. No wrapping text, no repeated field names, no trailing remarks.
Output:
h=9 m=46 s=23
